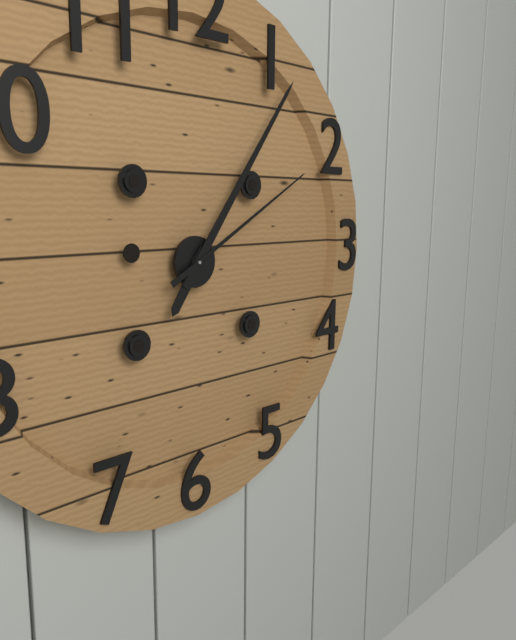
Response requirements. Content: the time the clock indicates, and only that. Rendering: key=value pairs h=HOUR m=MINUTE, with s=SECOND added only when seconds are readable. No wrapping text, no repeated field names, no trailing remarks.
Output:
h=7 m=6 s=10
